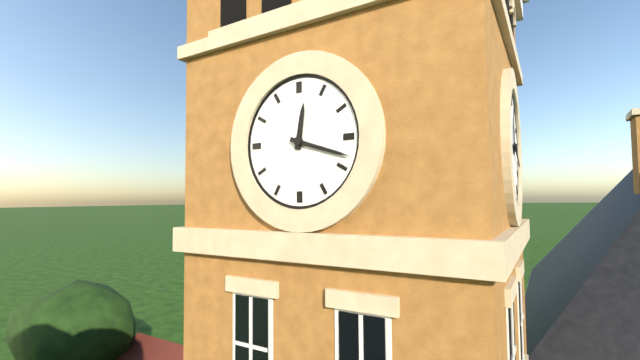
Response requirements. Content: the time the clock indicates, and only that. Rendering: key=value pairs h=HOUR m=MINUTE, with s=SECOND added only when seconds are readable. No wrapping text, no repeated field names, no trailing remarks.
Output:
h=12 m=18
